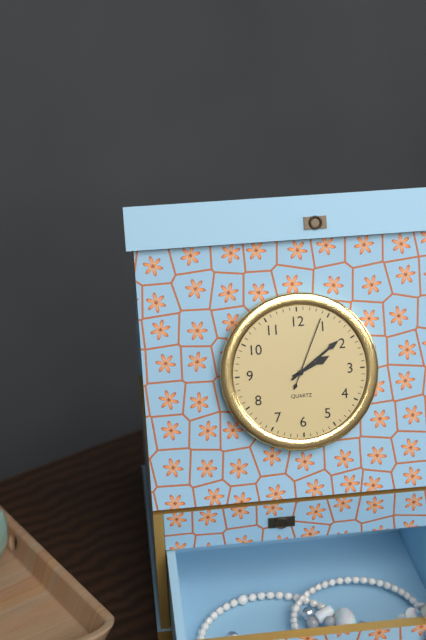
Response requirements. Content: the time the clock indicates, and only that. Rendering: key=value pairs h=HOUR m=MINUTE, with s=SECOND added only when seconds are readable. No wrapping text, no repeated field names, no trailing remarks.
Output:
h=2 m=9 s=4
